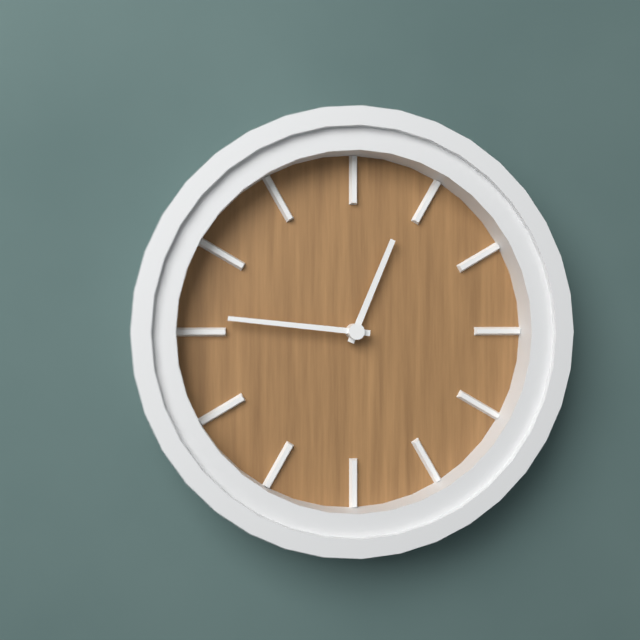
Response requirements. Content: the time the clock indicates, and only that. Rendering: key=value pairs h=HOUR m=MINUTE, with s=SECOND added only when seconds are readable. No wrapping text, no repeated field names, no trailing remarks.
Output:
h=12 m=46
